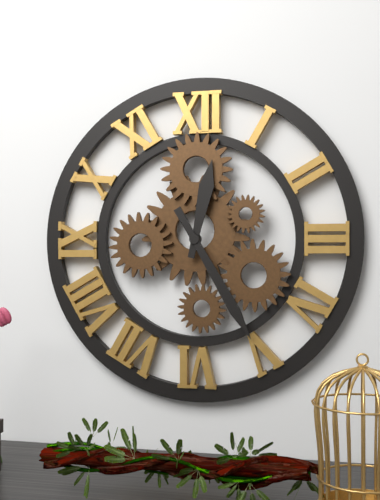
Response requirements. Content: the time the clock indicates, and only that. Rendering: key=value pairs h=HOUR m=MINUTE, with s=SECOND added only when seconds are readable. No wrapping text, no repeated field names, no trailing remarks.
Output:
h=12 m=25
